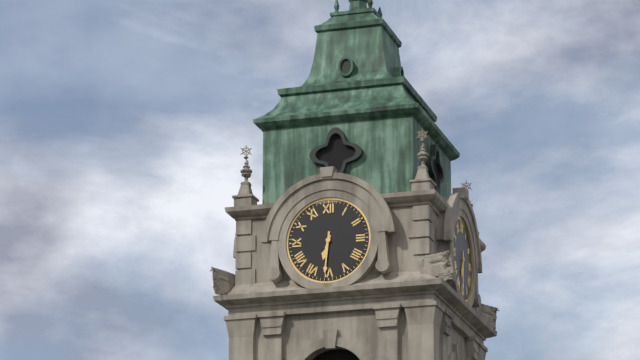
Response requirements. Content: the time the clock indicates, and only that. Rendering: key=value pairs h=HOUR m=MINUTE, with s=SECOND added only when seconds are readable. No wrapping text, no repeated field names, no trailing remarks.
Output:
h=6 m=31
